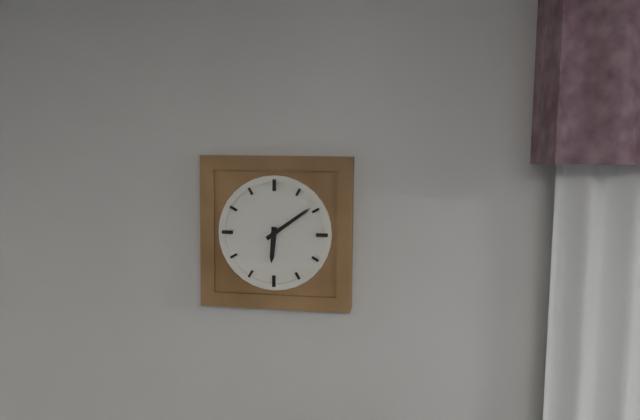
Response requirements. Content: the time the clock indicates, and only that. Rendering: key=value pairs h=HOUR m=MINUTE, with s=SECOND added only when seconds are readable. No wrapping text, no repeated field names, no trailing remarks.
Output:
h=6 m=9
